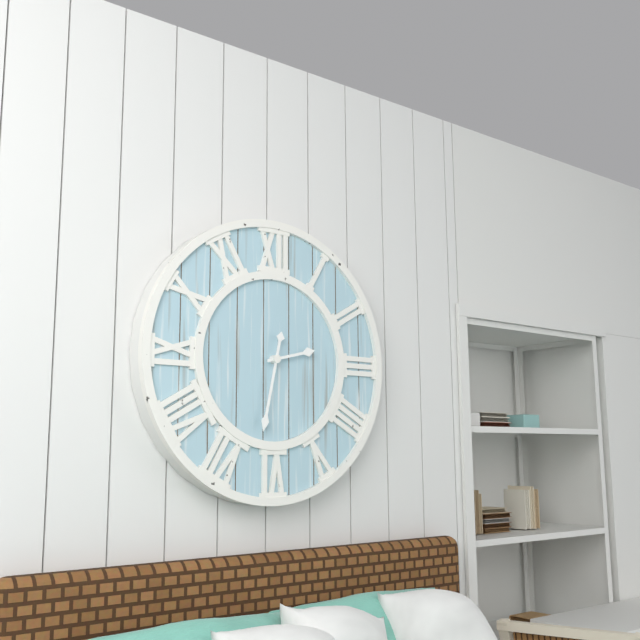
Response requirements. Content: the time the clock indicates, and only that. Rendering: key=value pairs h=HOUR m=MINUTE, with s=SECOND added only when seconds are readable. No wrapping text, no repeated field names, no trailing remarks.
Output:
h=2 m=32
